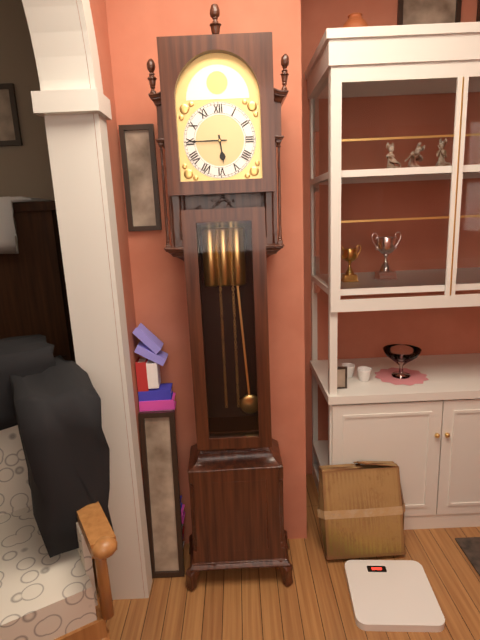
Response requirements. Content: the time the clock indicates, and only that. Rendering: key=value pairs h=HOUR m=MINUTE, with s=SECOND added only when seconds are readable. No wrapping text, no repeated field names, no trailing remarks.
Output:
h=5 m=45
